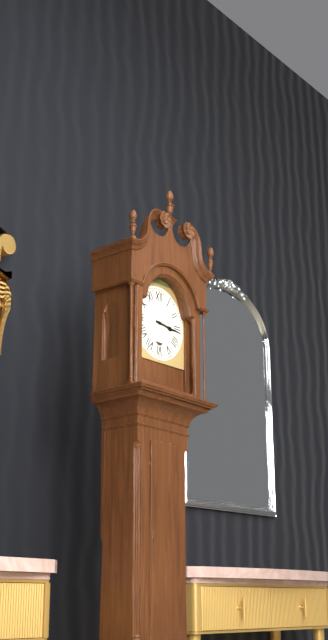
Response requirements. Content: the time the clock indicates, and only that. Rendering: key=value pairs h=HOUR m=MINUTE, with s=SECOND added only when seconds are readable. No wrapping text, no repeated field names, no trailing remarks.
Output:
h=3 m=16
